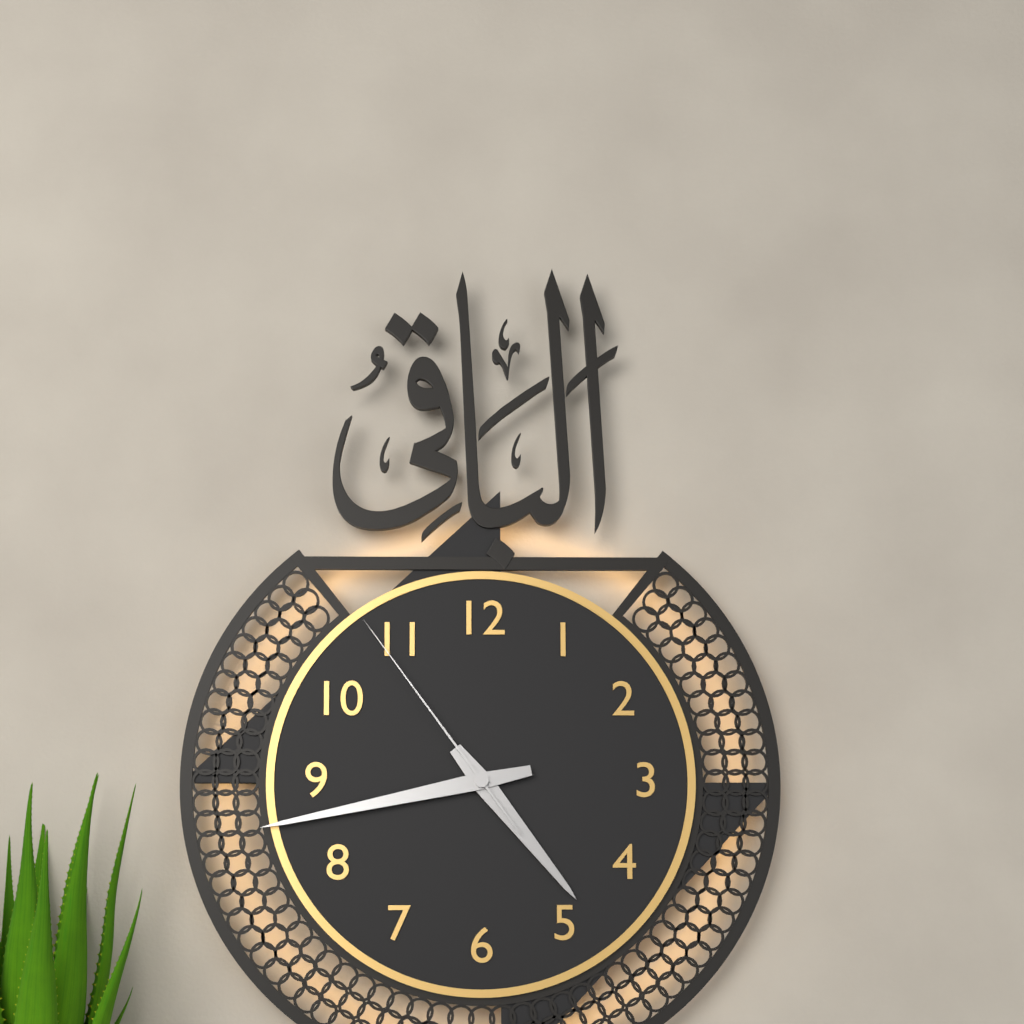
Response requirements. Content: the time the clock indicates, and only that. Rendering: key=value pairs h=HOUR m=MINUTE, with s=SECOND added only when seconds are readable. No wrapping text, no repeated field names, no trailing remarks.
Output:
h=4 m=43 s=54
